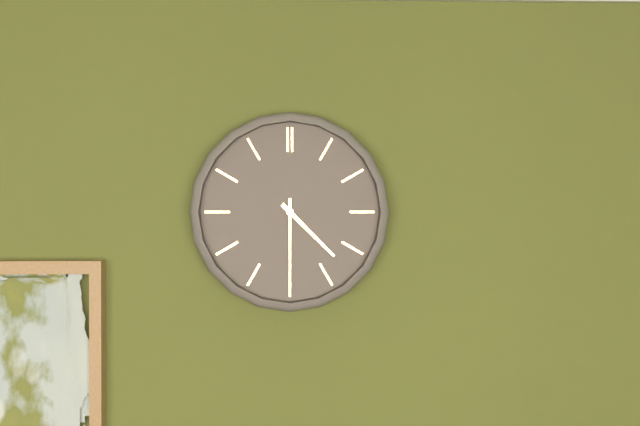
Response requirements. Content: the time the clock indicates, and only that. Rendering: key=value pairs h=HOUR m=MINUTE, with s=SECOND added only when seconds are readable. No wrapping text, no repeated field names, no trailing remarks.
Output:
h=4 m=30
